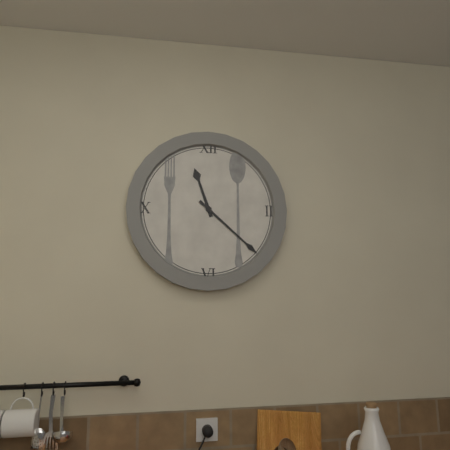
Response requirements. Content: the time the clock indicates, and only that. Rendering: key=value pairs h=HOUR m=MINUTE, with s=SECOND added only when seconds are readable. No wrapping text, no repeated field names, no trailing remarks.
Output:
h=11 m=22
